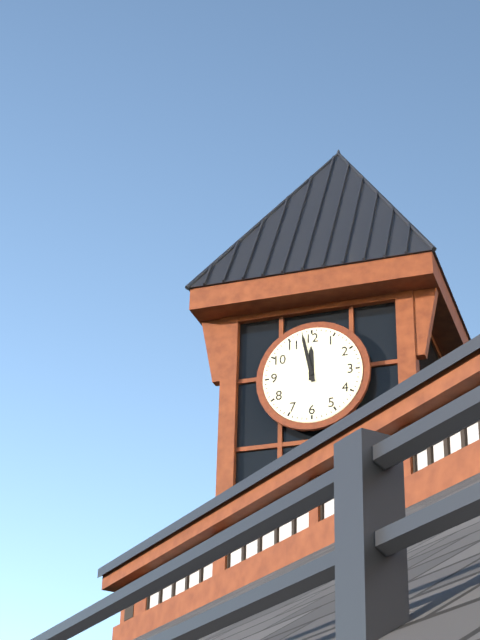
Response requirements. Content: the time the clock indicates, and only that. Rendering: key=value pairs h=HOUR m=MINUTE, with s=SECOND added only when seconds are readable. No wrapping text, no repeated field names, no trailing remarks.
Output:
h=11 m=58
